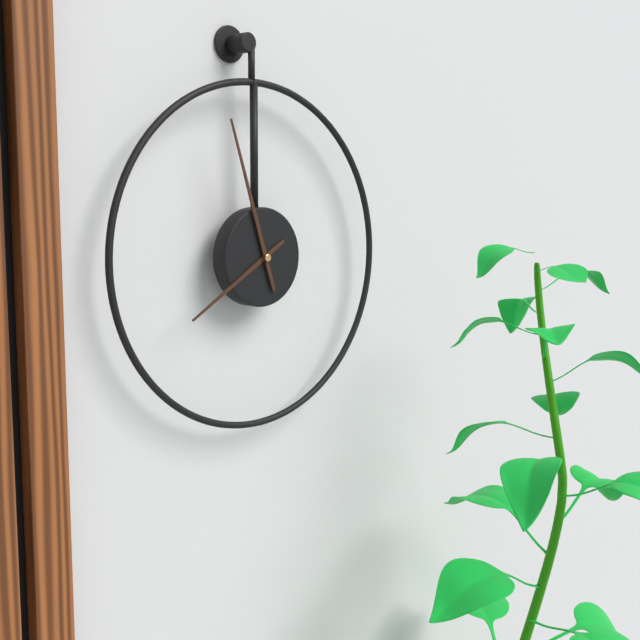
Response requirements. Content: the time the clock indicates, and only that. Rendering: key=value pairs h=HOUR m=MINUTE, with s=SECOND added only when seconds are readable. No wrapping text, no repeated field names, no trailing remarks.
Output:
h=7 m=57
